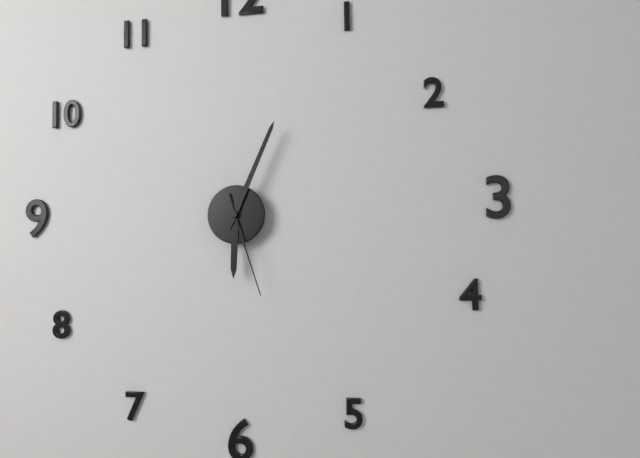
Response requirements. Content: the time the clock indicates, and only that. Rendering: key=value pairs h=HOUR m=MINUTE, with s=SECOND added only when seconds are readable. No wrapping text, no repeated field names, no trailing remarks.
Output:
h=6 m=4 s=27
